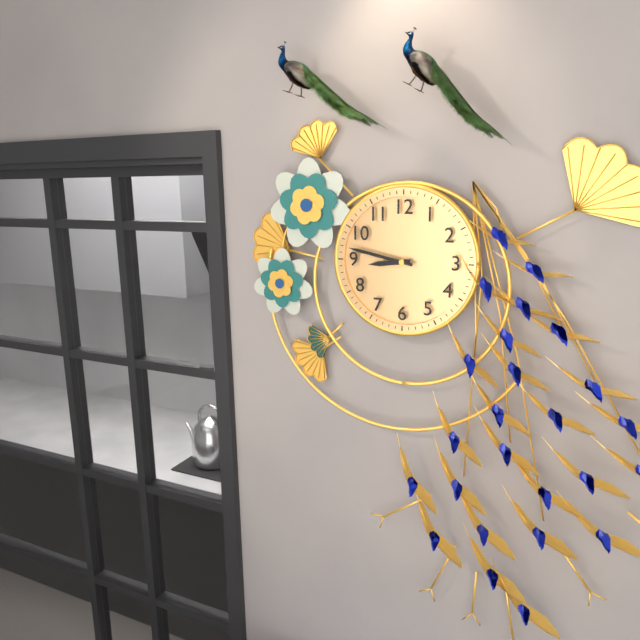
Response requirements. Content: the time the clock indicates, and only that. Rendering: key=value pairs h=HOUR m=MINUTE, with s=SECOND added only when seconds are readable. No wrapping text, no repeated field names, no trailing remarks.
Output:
h=8 m=47
